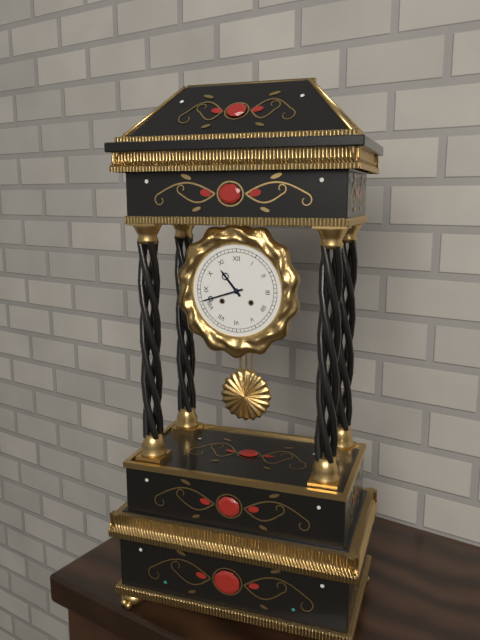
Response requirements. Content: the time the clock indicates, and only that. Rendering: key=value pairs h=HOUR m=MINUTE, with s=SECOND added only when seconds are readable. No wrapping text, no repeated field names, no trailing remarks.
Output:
h=10 m=42
